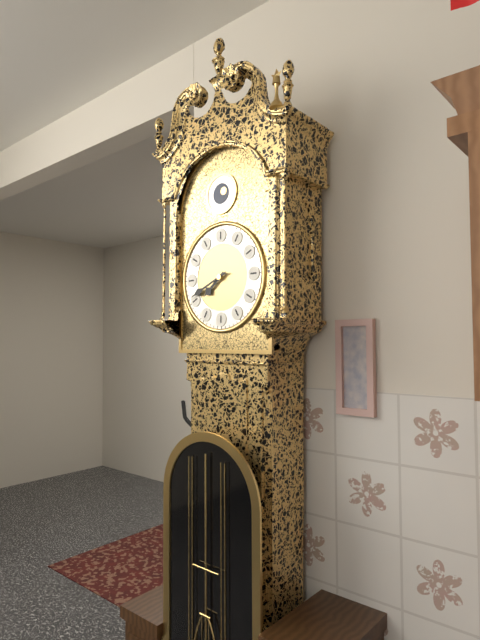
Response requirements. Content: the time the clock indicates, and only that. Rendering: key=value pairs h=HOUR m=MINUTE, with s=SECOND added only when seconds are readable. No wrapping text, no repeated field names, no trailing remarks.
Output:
h=7 m=41
